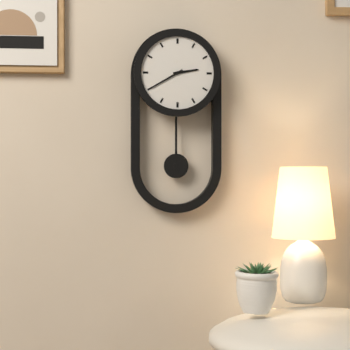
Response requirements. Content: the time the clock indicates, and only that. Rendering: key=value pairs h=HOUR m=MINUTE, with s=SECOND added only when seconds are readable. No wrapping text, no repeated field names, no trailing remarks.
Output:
h=2 m=40
